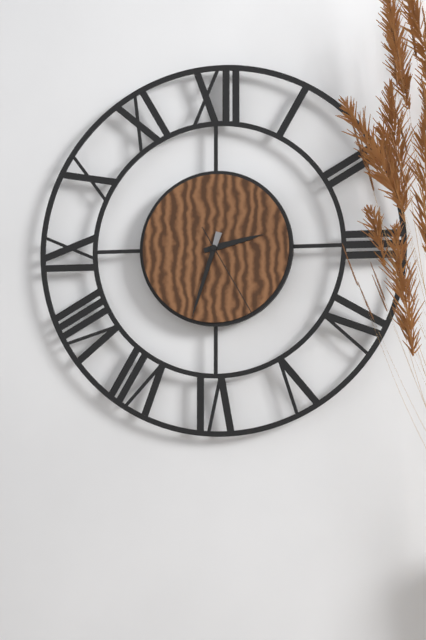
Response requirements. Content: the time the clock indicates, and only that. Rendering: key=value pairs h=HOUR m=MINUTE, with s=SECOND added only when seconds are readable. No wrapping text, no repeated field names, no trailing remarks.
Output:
h=2 m=33 s=25
